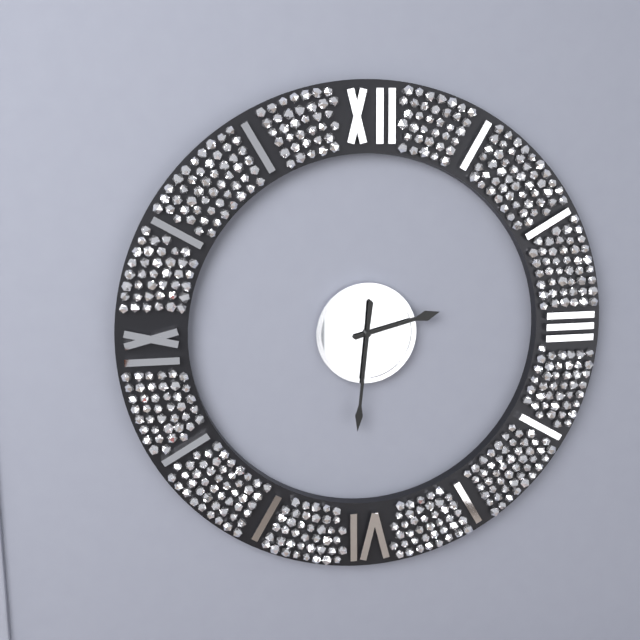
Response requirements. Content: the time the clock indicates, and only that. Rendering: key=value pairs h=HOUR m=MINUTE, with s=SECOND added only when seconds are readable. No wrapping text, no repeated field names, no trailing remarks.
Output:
h=2 m=31
